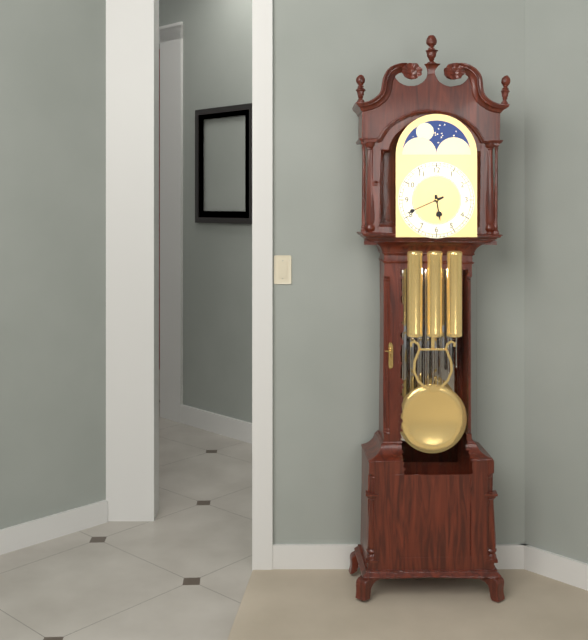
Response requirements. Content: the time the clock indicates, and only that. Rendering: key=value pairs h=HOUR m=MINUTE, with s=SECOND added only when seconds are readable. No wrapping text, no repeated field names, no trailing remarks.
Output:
h=5 m=41
